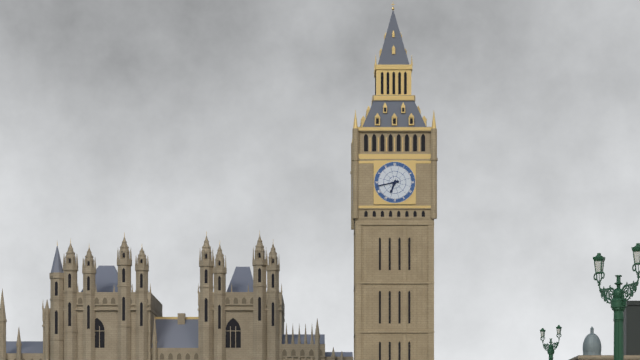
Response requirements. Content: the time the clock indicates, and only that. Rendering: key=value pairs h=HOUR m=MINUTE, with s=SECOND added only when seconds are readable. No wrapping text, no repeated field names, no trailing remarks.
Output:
h=6 m=43
